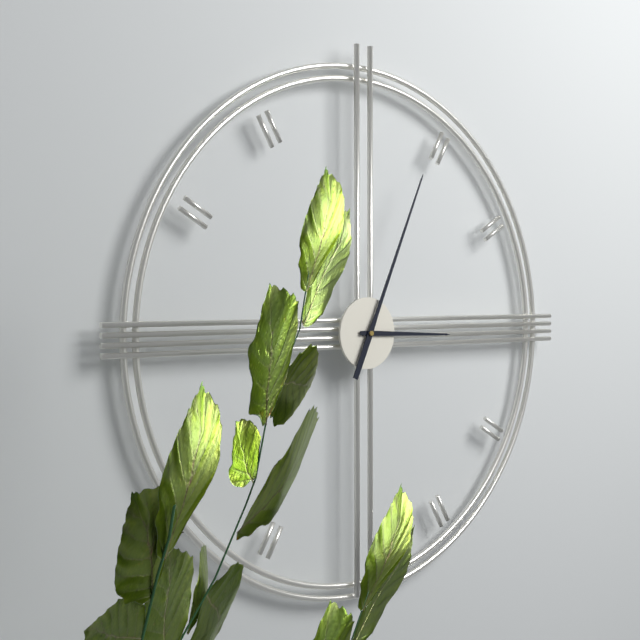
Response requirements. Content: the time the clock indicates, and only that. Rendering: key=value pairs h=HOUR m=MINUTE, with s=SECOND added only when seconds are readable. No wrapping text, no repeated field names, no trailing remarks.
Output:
h=3 m=4
